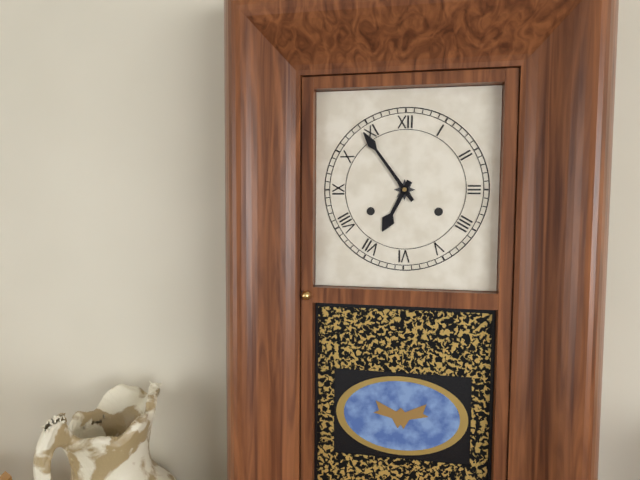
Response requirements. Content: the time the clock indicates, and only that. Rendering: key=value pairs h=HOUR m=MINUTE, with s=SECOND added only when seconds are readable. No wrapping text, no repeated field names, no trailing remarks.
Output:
h=6 m=54
